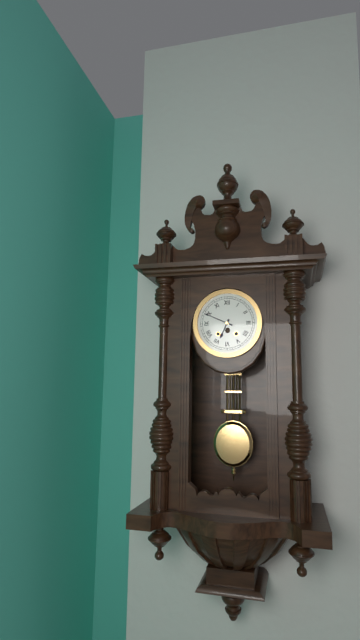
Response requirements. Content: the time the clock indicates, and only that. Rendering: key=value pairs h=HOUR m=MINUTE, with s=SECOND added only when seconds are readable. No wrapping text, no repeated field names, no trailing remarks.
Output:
h=6 m=49
